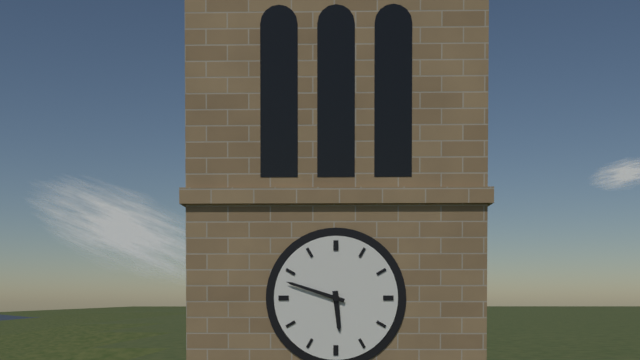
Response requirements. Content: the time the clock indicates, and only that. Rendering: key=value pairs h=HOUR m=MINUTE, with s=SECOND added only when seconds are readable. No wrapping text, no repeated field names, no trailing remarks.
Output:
h=5 m=48
